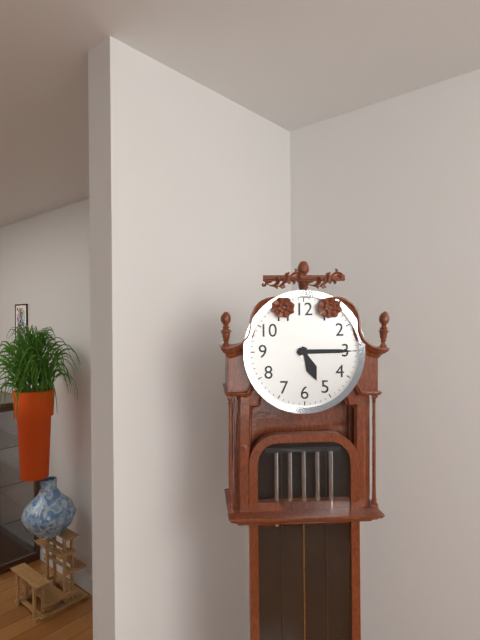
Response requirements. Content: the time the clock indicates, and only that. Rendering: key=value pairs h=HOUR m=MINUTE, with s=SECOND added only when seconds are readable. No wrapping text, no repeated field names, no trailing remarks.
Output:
h=5 m=15
